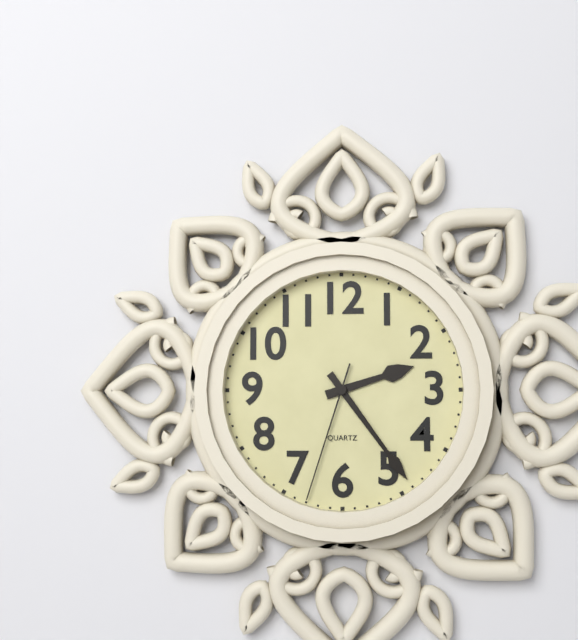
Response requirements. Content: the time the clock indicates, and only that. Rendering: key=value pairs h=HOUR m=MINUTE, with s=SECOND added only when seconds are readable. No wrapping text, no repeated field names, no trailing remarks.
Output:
h=2 m=24 s=33
